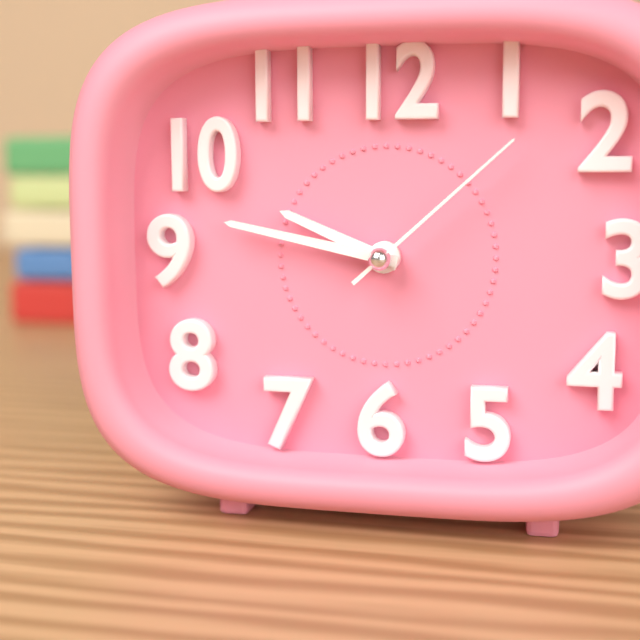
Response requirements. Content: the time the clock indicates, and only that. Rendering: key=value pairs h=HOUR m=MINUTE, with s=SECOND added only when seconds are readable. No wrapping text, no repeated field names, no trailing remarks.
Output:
h=9 m=47 s=8
